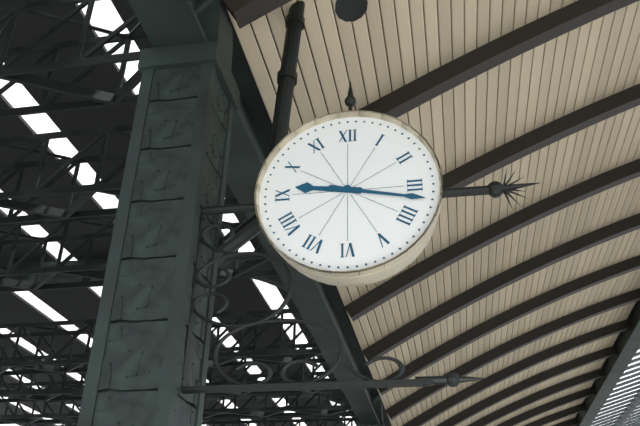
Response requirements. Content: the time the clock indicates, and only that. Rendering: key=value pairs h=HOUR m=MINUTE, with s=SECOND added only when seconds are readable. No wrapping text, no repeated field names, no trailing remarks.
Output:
h=9 m=17
